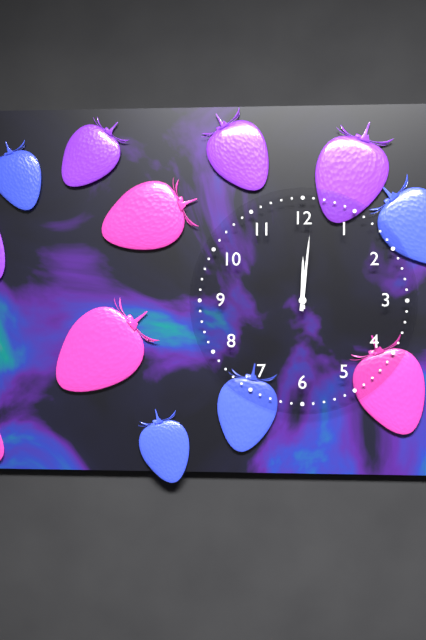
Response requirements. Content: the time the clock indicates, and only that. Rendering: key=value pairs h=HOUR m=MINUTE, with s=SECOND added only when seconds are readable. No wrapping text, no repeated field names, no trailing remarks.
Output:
h=12 m=1
